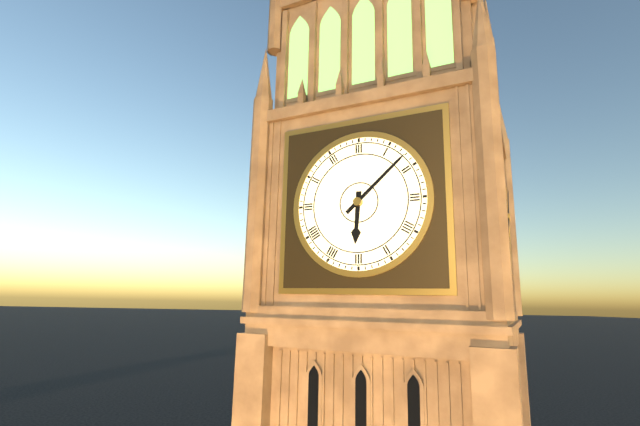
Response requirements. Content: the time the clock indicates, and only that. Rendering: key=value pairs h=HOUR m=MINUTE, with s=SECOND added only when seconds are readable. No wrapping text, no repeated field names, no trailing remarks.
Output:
h=6 m=8
